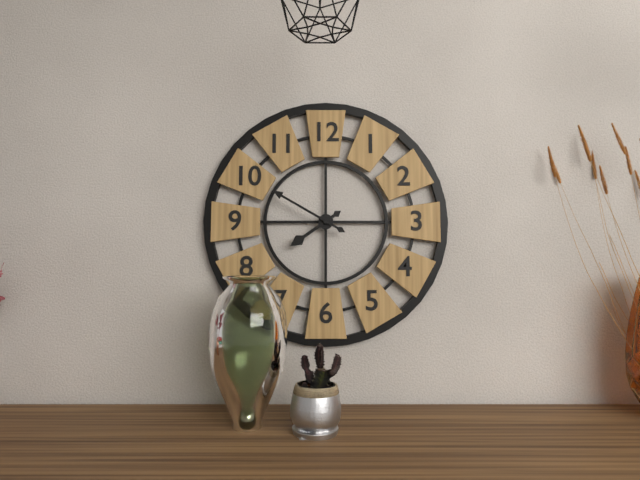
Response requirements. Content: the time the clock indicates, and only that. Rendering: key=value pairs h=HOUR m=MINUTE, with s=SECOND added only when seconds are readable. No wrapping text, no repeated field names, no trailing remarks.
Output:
h=7 m=50
